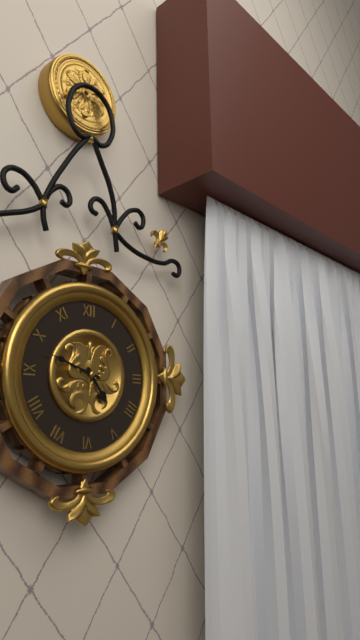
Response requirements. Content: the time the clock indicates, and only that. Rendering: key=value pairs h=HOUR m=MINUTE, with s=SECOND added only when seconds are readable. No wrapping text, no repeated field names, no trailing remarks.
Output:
h=4 m=48
